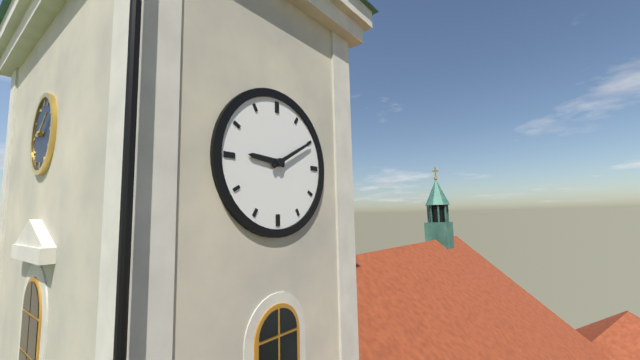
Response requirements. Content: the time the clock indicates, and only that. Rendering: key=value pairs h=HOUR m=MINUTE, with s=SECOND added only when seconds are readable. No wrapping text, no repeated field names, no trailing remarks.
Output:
h=9 m=10
